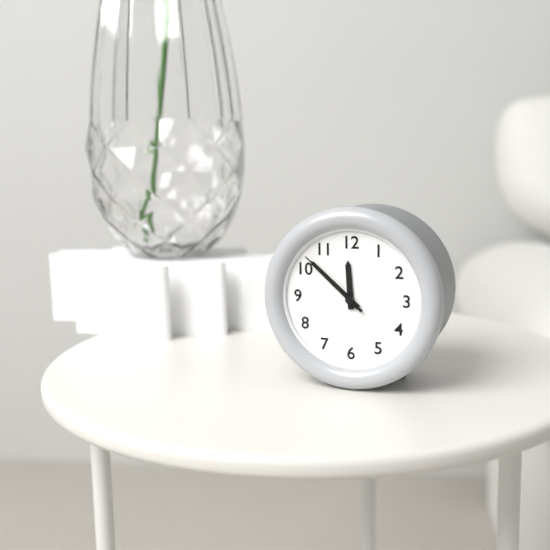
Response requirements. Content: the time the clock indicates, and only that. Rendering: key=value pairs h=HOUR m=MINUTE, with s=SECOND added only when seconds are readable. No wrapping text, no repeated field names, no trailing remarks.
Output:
h=11 m=52 s=52
